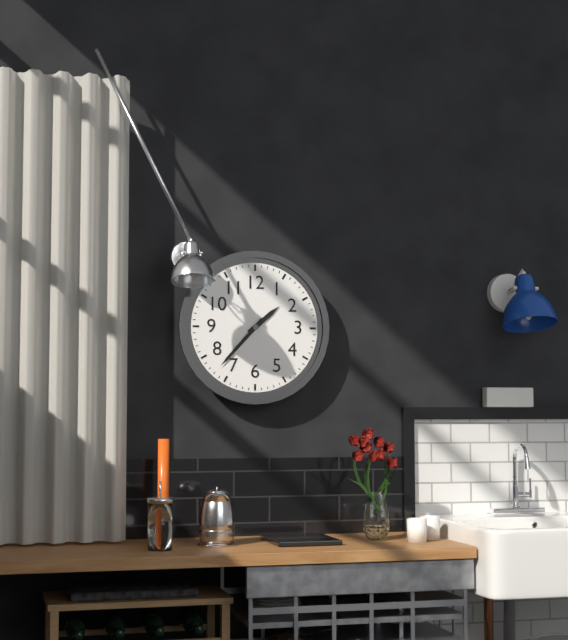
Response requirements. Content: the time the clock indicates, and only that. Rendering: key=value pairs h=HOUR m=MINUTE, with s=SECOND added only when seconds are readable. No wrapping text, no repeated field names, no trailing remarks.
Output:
h=1 m=37
